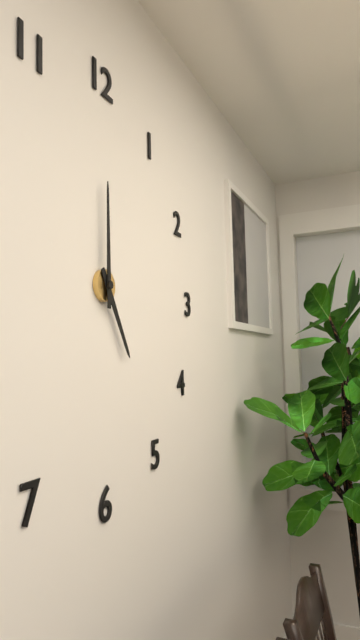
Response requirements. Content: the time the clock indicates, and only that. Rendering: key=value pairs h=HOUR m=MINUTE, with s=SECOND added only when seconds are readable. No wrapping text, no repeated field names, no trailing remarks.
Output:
h=5 m=0
